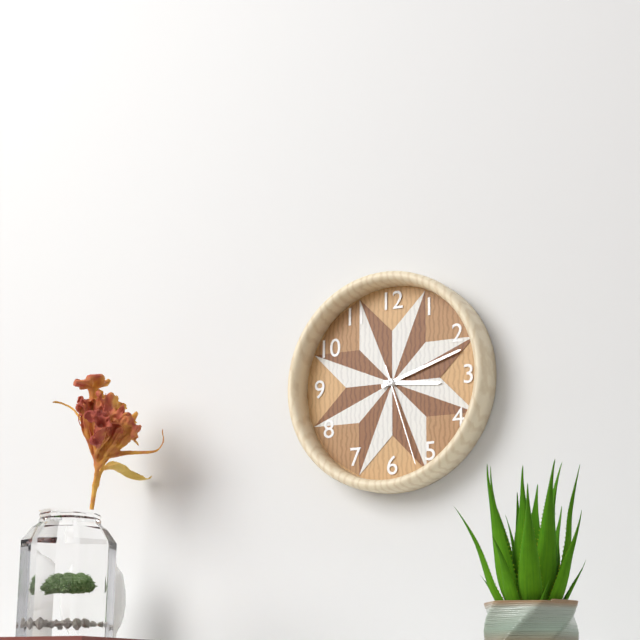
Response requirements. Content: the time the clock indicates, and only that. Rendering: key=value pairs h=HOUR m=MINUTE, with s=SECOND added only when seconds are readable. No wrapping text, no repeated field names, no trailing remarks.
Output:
h=3 m=12 s=27
